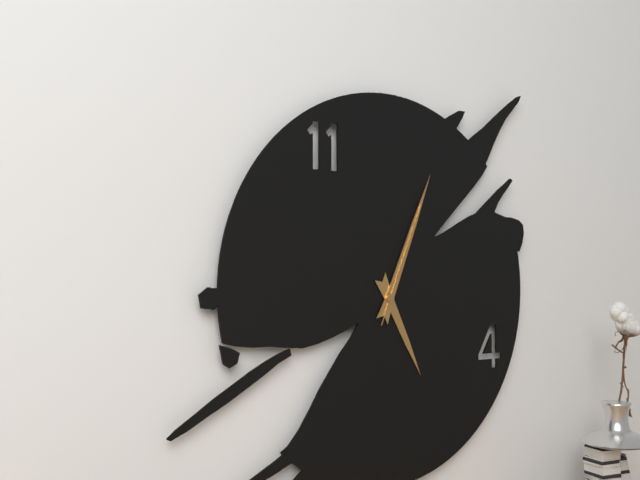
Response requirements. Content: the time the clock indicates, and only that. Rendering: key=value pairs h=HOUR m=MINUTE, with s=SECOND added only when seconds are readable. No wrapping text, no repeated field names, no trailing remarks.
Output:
h=5 m=4 s=4
